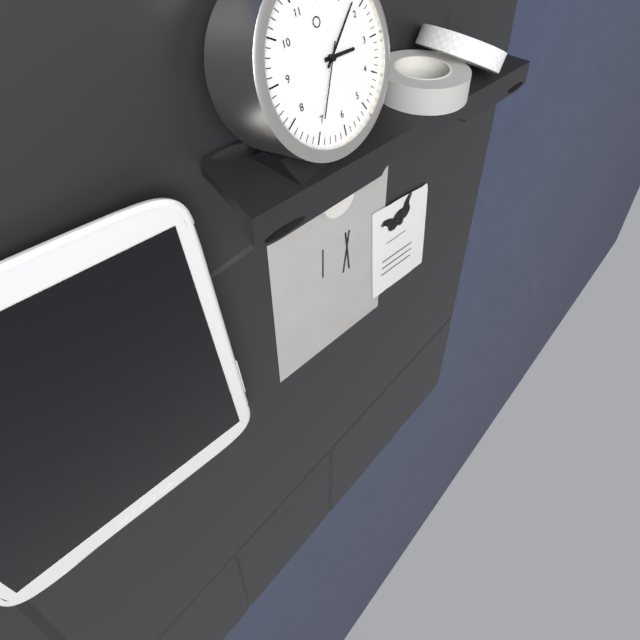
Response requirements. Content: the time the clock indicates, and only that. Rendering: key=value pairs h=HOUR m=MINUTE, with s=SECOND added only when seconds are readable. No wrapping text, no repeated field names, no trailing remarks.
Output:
h=3 m=8 s=35
